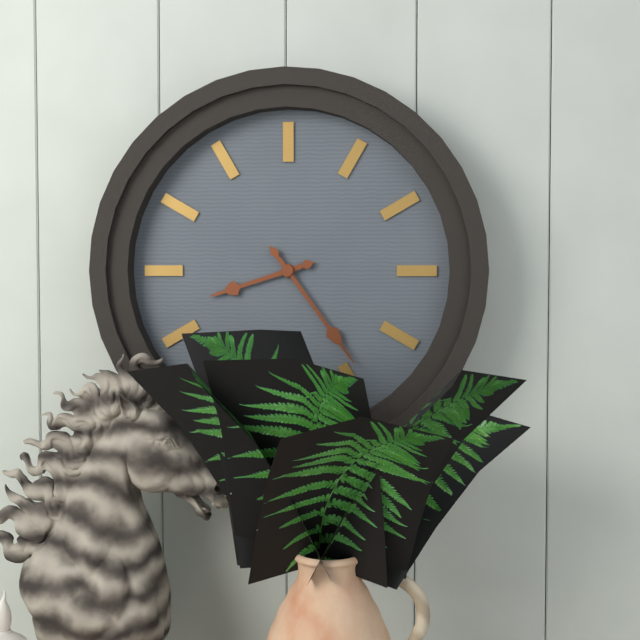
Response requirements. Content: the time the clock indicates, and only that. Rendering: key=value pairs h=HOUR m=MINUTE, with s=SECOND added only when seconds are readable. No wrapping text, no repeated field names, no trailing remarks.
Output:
h=8 m=24
